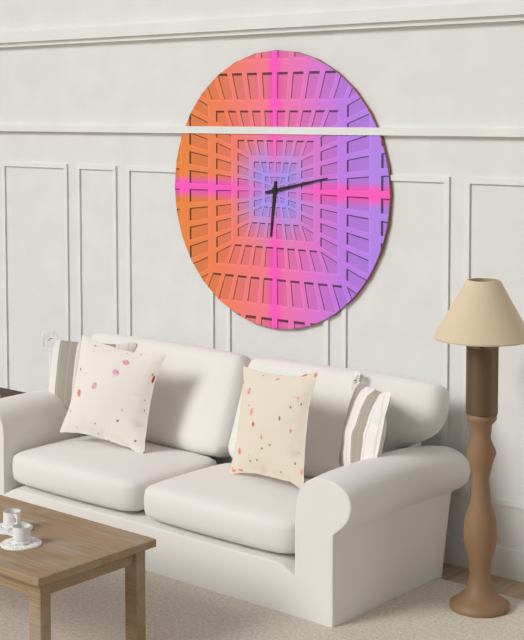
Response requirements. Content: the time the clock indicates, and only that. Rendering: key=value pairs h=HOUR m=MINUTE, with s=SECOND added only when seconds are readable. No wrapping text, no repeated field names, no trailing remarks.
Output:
h=6 m=13
